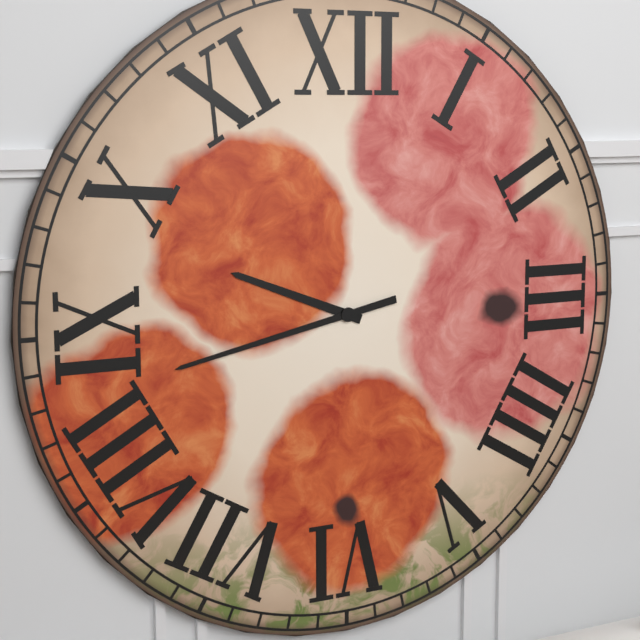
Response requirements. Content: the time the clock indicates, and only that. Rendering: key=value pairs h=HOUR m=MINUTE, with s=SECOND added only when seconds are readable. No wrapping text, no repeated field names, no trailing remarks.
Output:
h=9 m=43
